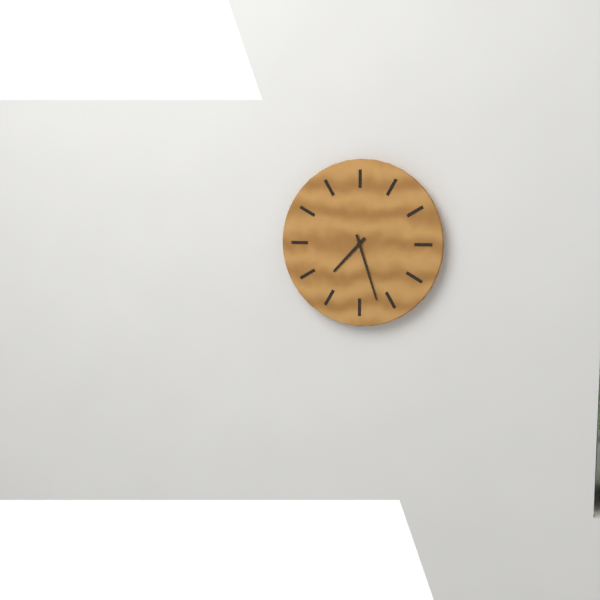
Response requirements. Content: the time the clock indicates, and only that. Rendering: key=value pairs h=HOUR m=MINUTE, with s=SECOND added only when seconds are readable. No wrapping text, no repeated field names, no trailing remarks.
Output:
h=7 m=27
